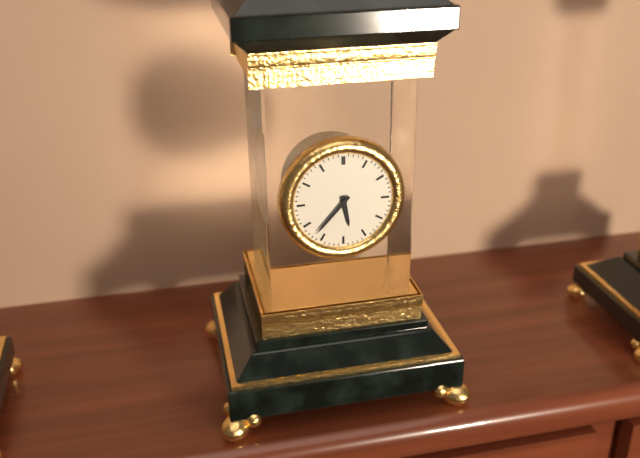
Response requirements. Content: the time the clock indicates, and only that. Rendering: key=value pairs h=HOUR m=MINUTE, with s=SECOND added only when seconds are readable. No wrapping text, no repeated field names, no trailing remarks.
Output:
h=5 m=37
